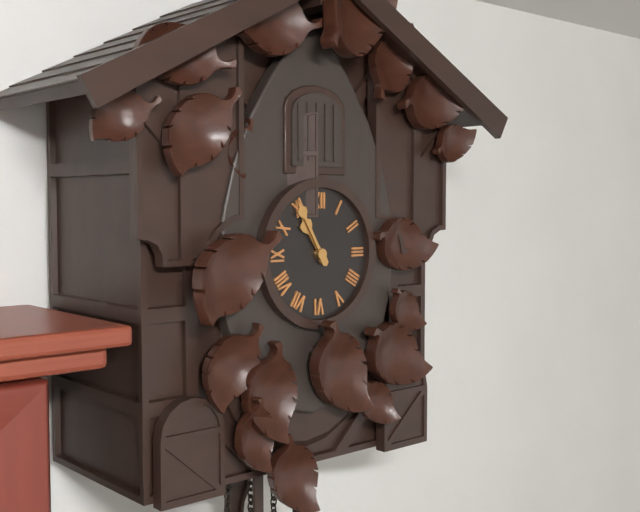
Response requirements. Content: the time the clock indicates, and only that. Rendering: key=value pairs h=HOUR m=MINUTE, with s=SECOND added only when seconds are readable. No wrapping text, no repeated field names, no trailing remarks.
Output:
h=10 m=55
